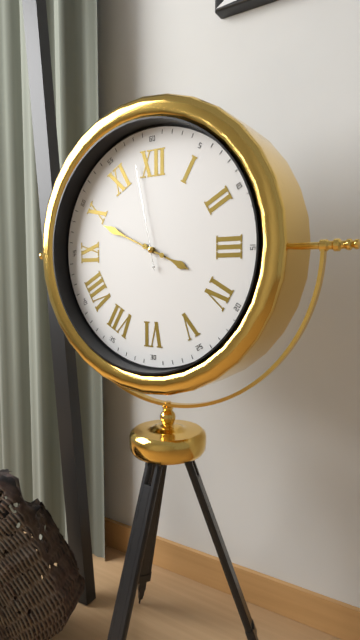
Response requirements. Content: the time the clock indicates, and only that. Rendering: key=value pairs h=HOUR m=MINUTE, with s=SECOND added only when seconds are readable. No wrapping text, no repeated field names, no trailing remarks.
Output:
h=3 m=49 s=58
